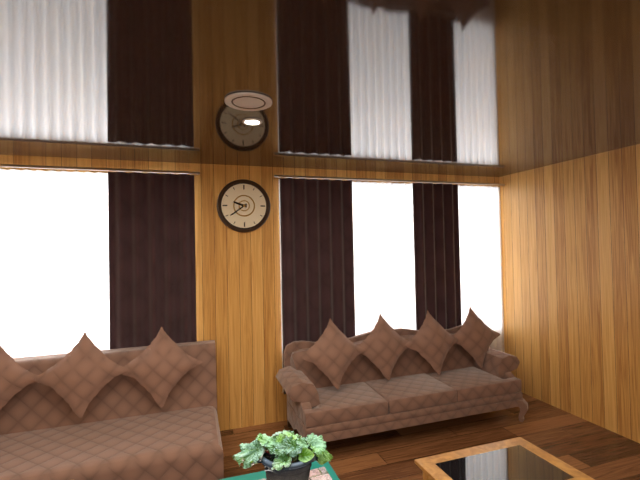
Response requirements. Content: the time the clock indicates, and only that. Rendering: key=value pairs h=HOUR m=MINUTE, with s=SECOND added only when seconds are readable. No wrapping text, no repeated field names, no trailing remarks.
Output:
h=9 m=39
